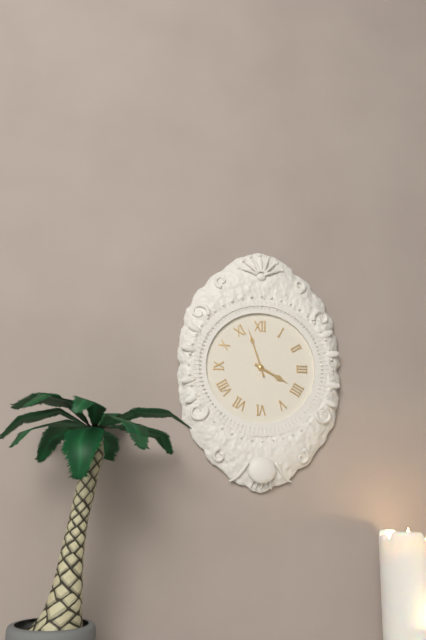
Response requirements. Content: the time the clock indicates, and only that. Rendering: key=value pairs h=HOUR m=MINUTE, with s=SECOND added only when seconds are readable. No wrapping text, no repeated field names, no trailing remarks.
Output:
h=3 m=57
